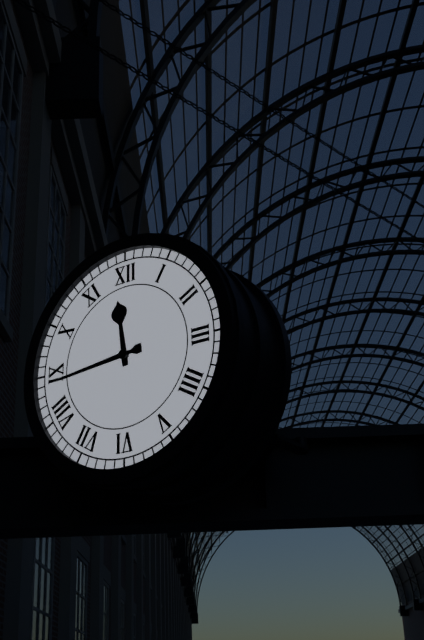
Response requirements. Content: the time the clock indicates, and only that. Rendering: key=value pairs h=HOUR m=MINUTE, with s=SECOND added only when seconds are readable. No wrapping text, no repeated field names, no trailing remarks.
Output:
h=11 m=44
